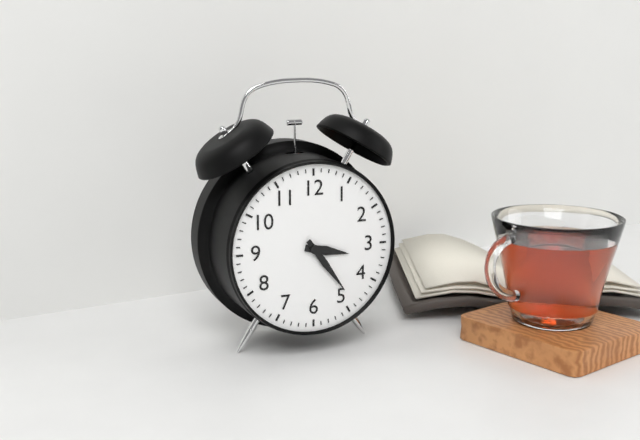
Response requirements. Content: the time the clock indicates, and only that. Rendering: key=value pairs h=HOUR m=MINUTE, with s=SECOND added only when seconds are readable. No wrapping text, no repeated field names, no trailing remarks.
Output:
h=3 m=24
